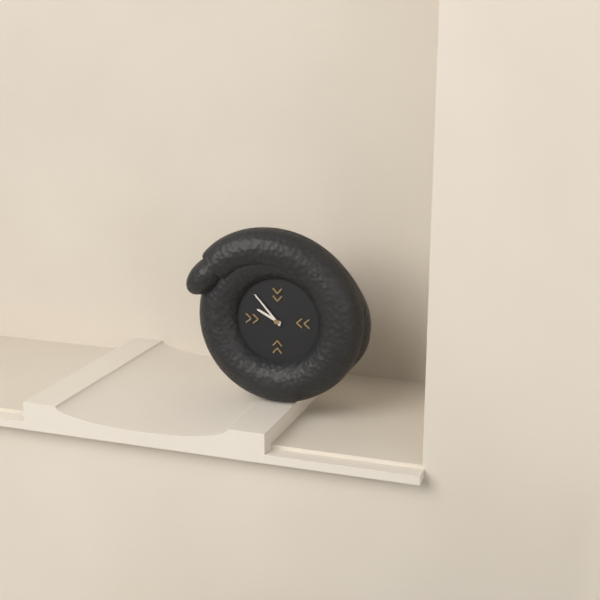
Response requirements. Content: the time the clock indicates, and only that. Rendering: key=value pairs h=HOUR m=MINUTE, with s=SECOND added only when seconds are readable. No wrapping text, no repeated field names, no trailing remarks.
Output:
h=9 m=53
